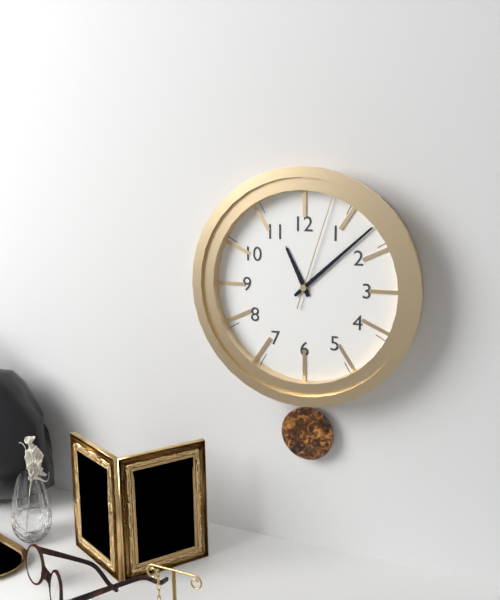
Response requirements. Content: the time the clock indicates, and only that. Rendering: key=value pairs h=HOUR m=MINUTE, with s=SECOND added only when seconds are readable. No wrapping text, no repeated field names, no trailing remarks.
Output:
h=11 m=8 s=3
